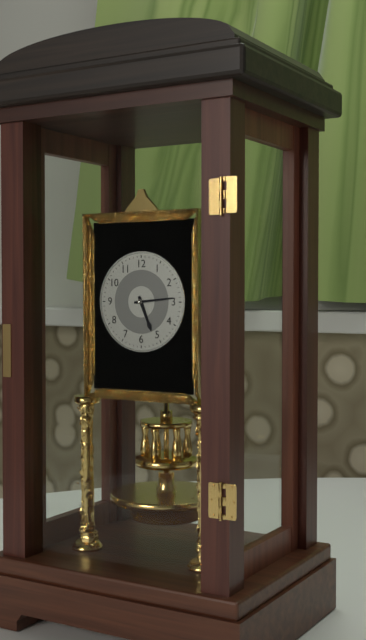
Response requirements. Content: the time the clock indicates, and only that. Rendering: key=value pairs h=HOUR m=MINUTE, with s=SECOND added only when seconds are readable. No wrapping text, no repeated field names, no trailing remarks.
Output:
h=5 m=14
